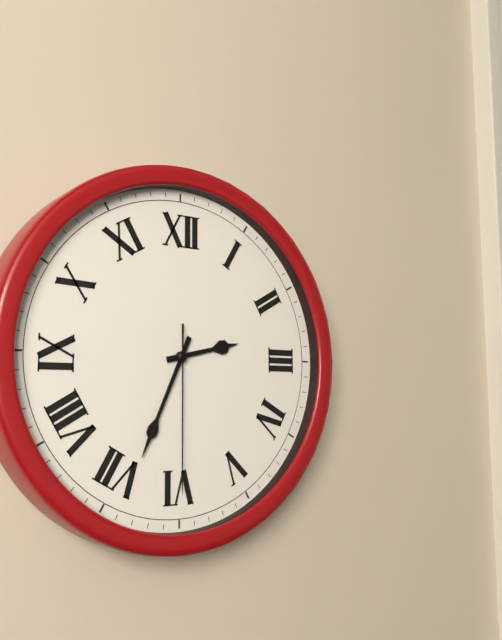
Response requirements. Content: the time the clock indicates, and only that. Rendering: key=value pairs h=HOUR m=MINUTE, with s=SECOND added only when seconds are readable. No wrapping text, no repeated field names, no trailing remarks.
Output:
h=2 m=34 s=30
